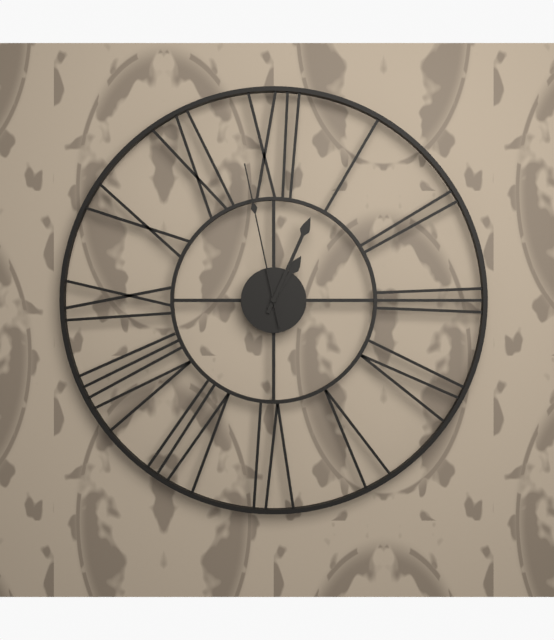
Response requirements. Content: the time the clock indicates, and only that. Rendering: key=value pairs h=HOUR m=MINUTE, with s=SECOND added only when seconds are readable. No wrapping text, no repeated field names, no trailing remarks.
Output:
h=1 m=4 s=58
